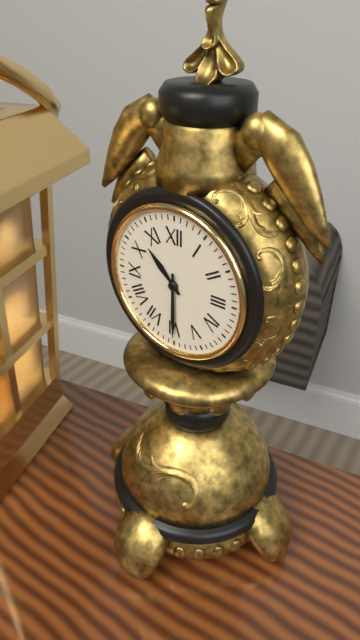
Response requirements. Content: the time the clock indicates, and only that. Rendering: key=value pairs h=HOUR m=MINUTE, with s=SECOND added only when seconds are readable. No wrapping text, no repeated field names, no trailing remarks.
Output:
h=10 m=30
